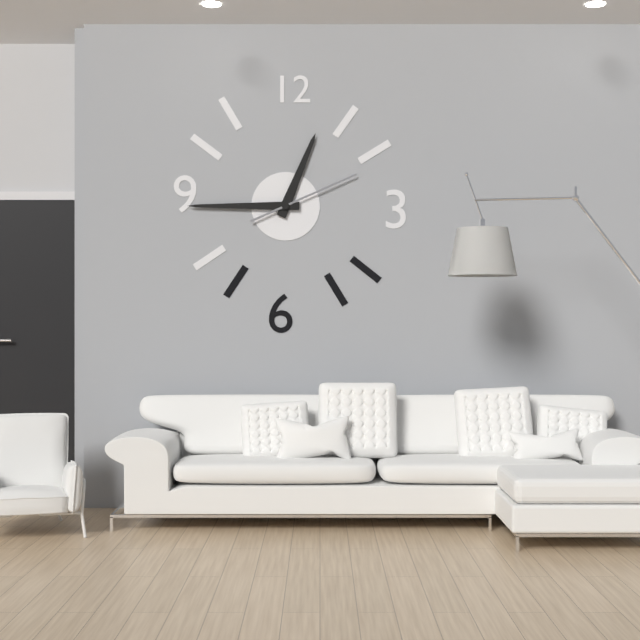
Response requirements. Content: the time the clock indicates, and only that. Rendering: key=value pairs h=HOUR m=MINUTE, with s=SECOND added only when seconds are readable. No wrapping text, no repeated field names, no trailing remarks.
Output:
h=12 m=45 s=11
